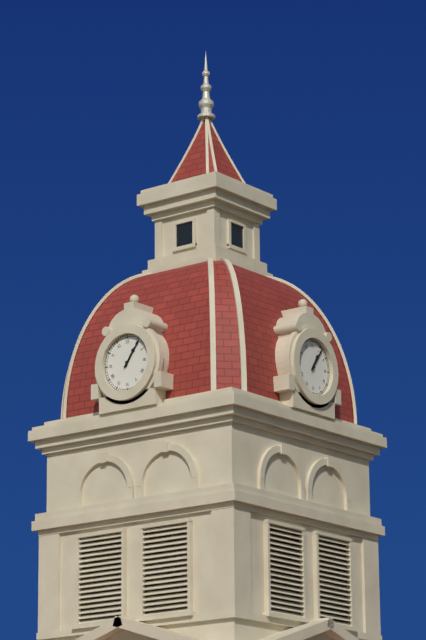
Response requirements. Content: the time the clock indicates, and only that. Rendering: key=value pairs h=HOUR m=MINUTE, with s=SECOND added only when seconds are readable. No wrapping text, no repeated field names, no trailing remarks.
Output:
h=1 m=6
